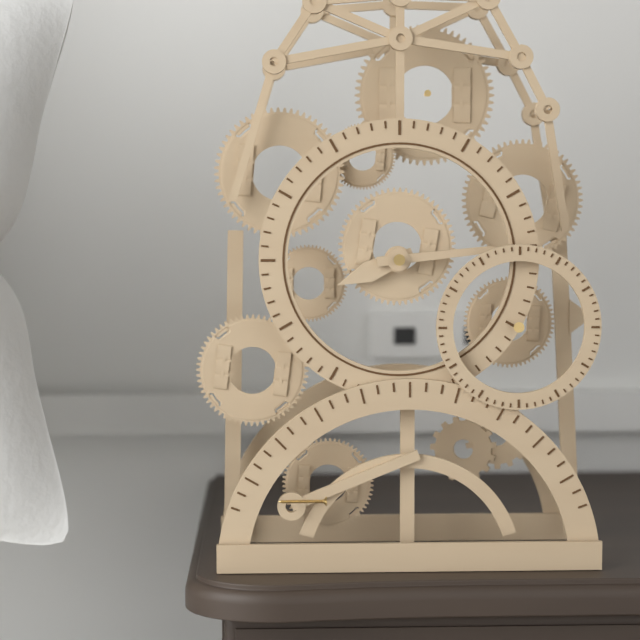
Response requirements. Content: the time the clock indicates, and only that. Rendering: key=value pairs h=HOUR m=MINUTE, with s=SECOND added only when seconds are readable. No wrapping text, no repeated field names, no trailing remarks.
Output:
h=8 m=14
